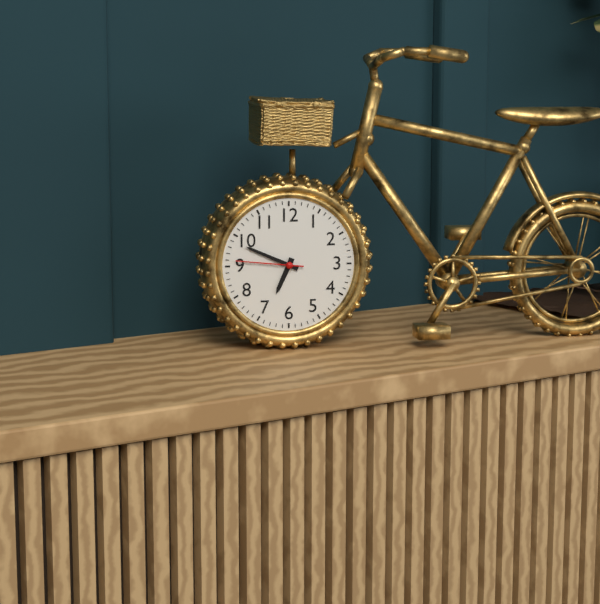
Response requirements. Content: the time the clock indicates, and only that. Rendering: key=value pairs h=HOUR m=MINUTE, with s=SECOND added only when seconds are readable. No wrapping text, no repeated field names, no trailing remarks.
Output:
h=6 m=49 s=46
